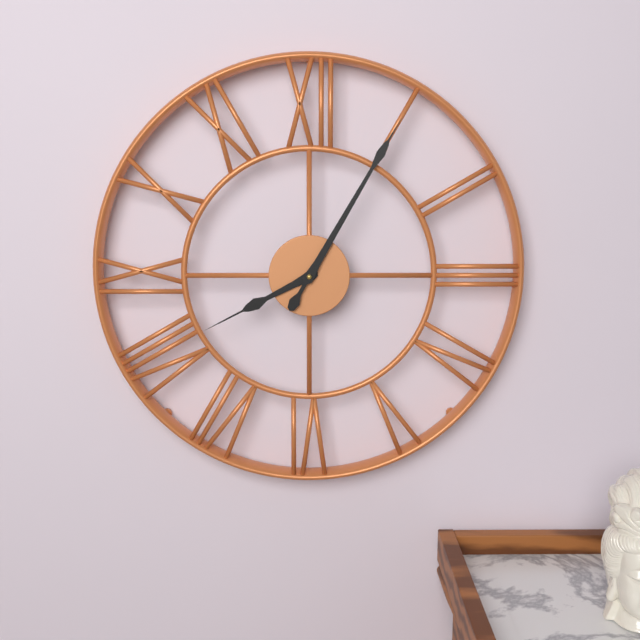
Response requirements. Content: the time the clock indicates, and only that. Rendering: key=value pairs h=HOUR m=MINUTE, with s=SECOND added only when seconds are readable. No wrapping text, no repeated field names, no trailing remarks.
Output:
h=8 m=5
